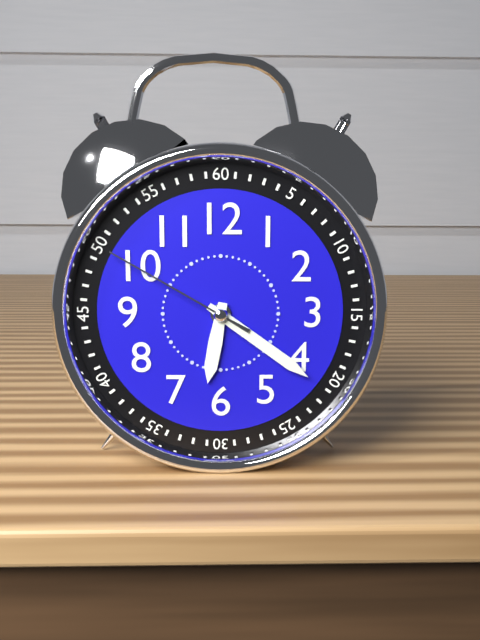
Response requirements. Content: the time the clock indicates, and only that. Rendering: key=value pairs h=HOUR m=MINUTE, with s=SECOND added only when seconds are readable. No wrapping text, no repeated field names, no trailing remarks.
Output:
h=6 m=21 s=50
